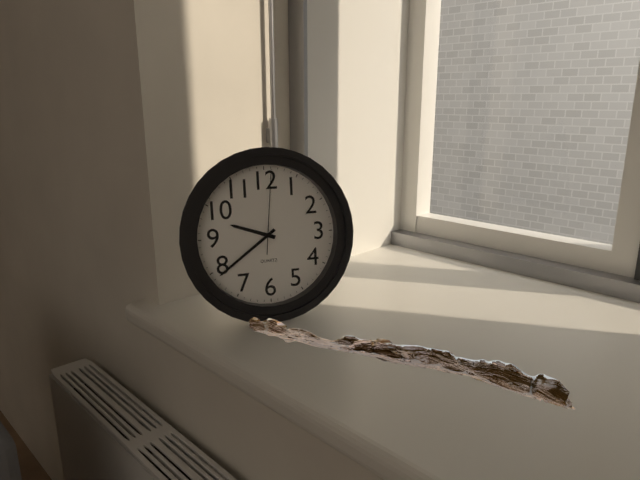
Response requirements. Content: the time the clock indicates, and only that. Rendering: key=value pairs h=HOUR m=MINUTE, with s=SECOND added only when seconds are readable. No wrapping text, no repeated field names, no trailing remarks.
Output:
h=9 m=39 s=1
